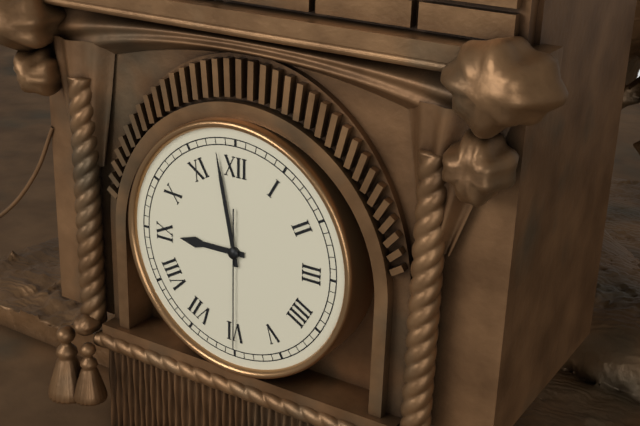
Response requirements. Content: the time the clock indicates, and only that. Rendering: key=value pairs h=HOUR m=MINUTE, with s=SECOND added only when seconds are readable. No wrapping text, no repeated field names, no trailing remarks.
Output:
h=8 m=58 s=30
